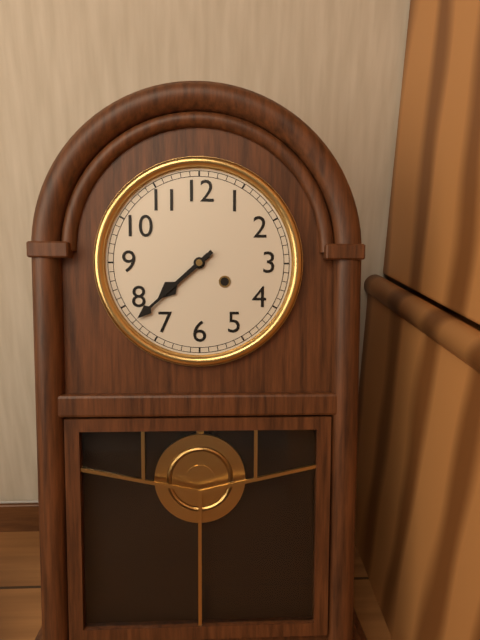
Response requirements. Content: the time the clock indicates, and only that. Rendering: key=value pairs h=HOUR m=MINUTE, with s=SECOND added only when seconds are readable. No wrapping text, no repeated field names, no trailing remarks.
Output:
h=7 m=38
